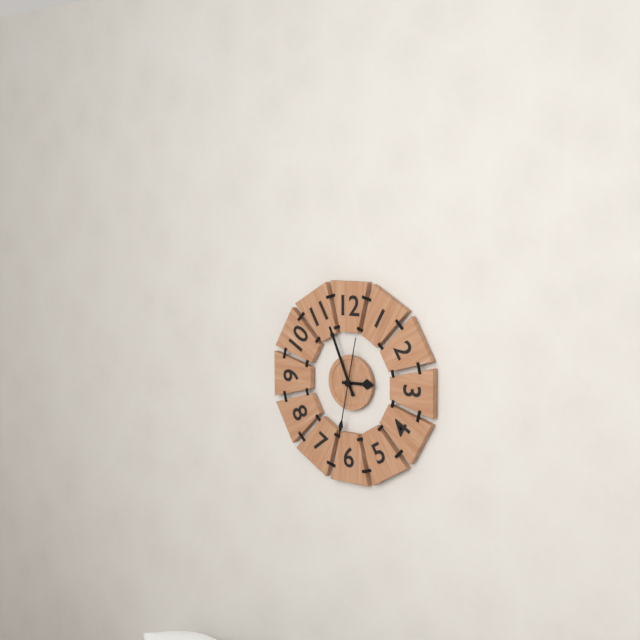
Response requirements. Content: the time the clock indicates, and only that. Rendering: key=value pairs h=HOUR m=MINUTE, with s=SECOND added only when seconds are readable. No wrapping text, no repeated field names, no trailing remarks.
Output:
h=2 m=56 s=32
